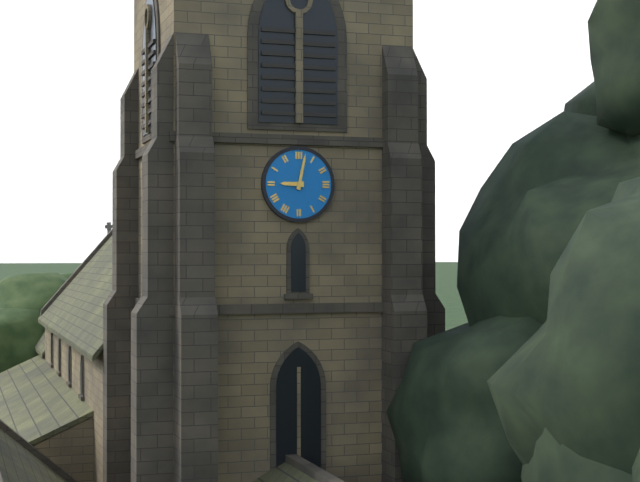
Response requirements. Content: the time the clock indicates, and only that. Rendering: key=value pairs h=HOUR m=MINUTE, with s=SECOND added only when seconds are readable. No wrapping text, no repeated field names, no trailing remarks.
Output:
h=9 m=2
